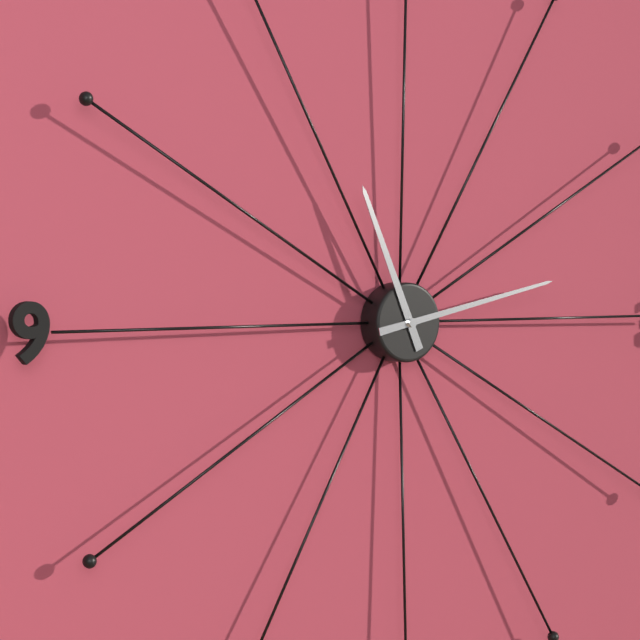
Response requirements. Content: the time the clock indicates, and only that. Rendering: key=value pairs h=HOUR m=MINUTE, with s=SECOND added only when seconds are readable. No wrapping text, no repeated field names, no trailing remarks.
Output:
h=11 m=13
